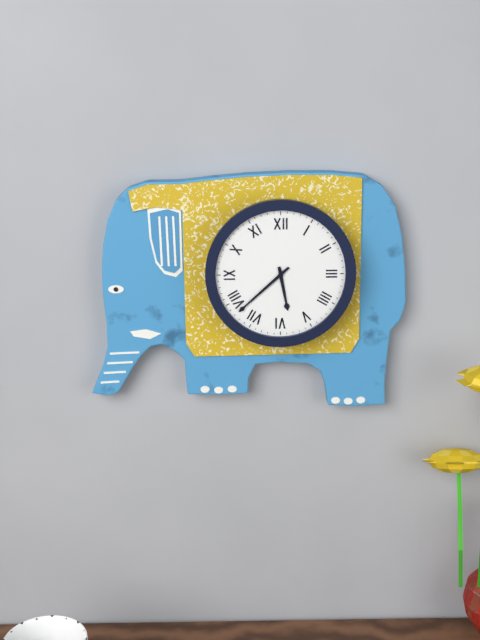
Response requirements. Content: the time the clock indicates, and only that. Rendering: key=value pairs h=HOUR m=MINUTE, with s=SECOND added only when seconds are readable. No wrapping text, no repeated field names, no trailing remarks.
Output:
h=5 m=38
